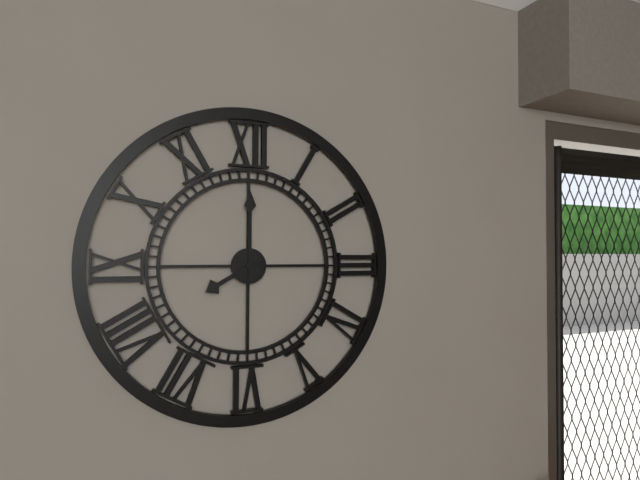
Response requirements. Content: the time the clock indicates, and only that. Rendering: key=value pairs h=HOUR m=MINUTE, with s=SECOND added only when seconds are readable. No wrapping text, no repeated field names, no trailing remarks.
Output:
h=8 m=0
